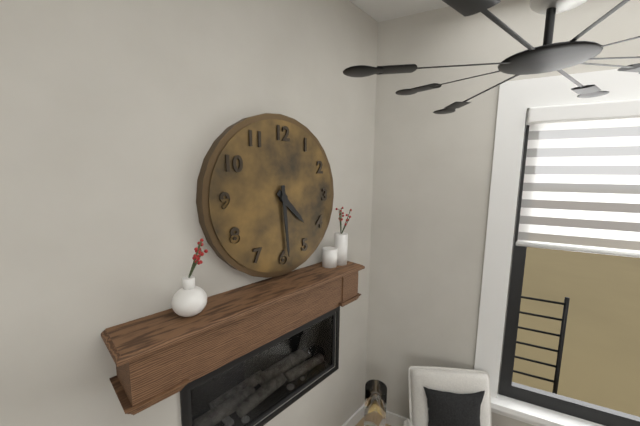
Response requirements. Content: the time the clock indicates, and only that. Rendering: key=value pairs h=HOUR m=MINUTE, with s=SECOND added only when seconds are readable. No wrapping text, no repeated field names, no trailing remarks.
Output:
h=4 m=29
